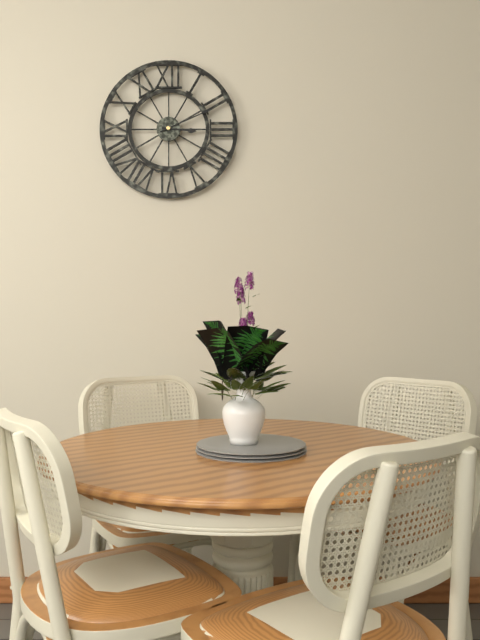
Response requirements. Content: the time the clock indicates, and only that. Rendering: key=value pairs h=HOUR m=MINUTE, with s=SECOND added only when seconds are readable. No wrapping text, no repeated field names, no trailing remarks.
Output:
h=3 m=11
